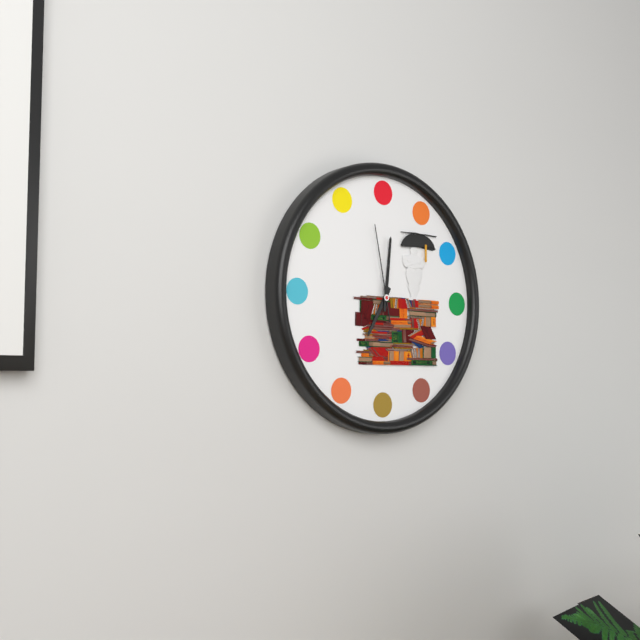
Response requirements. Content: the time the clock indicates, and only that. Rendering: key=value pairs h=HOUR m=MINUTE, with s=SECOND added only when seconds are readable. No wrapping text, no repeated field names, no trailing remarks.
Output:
h=7 m=1 s=58
